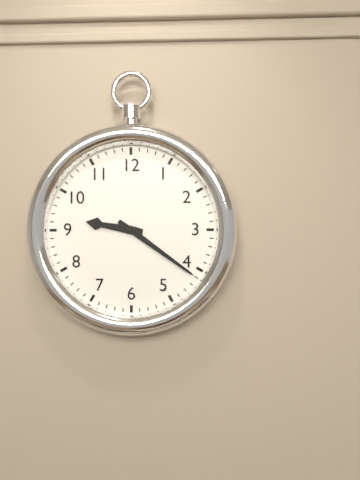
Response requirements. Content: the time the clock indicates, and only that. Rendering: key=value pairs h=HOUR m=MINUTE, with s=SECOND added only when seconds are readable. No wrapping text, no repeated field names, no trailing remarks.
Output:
h=9 m=21
